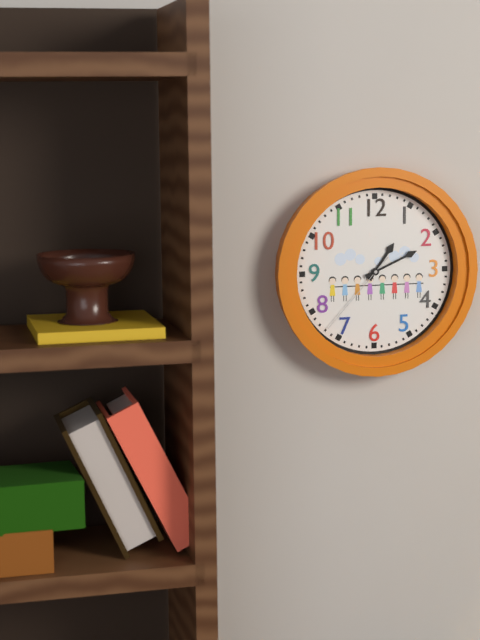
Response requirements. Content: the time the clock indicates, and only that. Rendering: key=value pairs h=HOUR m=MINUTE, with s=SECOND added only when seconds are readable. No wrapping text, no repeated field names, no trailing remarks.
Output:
h=1 m=11 s=37
